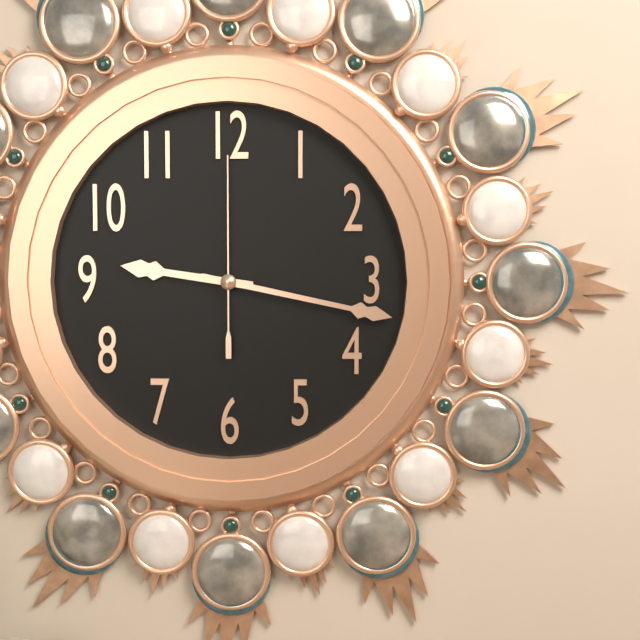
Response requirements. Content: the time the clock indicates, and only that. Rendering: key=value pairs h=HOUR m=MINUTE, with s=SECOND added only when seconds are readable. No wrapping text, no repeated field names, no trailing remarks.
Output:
h=9 m=17 s=0
